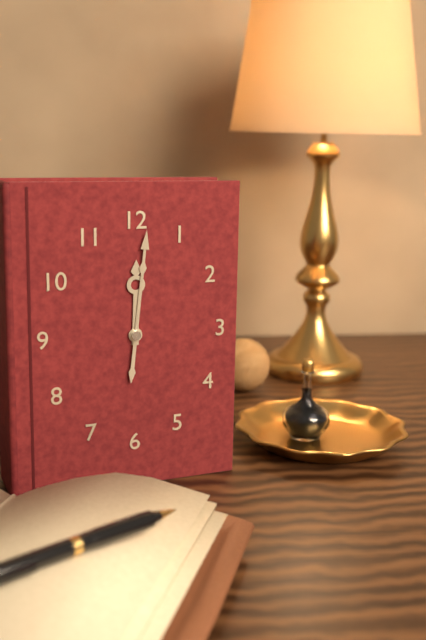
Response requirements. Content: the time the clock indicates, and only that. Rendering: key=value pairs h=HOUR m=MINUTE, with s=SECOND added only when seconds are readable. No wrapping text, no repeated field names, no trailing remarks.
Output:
h=12 m=1
